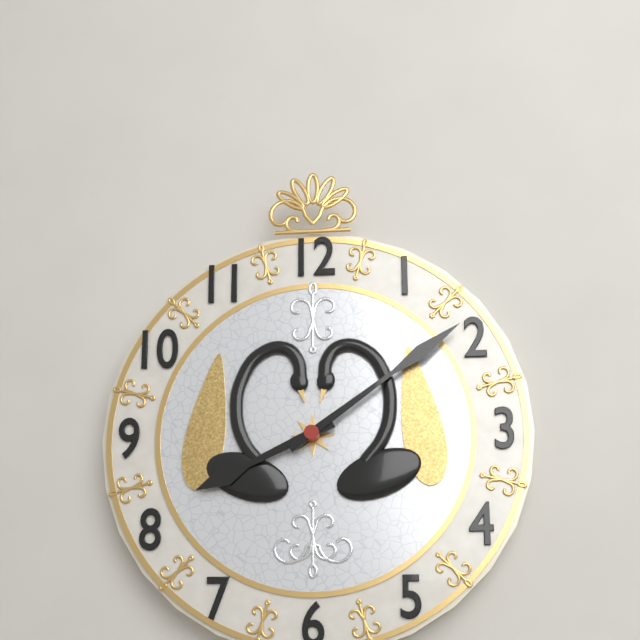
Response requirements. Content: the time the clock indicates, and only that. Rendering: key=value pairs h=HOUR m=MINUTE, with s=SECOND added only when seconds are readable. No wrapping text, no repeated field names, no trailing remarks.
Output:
h=8 m=9
